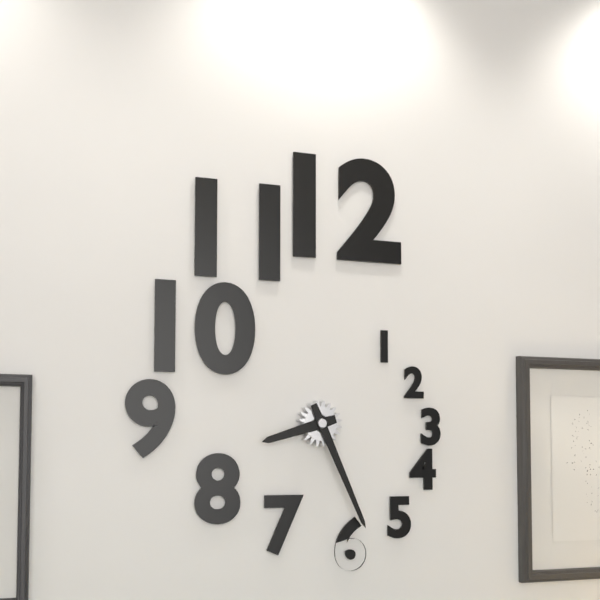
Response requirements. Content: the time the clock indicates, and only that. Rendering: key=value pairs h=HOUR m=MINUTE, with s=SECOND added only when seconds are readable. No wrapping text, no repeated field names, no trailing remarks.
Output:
h=8 m=26
